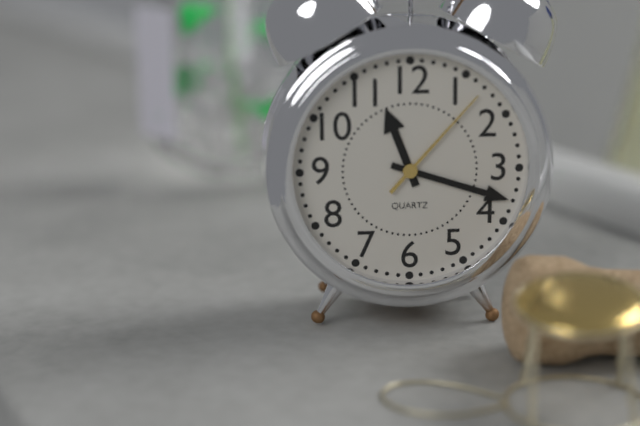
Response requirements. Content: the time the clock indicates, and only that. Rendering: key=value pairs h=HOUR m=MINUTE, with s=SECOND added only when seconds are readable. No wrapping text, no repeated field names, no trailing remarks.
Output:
h=11 m=18 s=7
